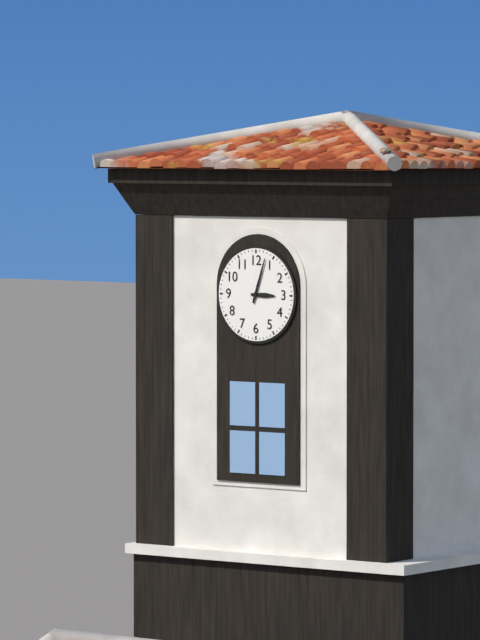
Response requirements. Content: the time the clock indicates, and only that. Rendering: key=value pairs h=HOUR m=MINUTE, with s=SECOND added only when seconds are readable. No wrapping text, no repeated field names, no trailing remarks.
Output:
h=3 m=3
